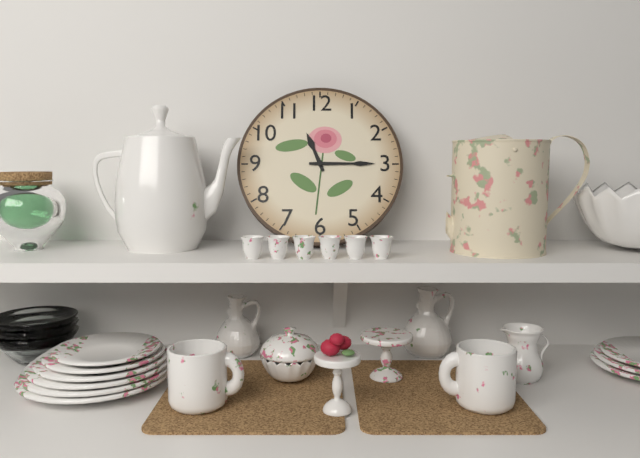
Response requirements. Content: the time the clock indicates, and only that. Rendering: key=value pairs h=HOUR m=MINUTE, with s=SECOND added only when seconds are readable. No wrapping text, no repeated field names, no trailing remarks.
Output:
h=11 m=15
